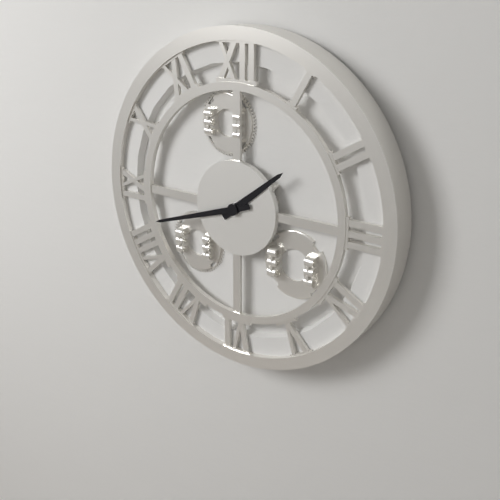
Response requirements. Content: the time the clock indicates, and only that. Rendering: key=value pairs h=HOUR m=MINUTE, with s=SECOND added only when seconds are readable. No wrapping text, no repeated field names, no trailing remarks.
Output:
h=1 m=42
